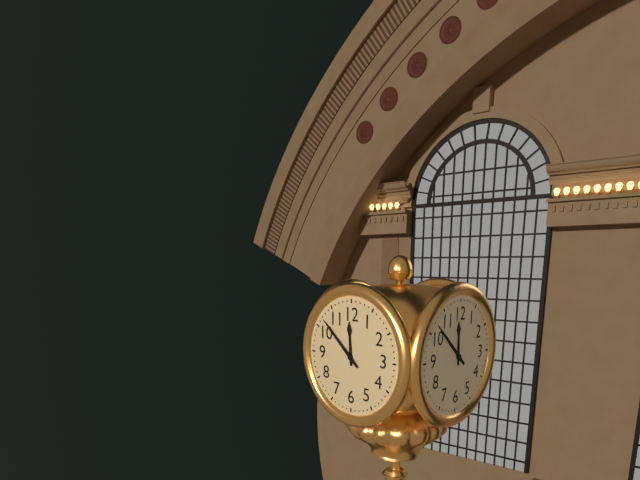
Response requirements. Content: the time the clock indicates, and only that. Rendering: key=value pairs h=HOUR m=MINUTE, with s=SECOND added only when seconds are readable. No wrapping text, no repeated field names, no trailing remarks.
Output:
h=11 m=52
